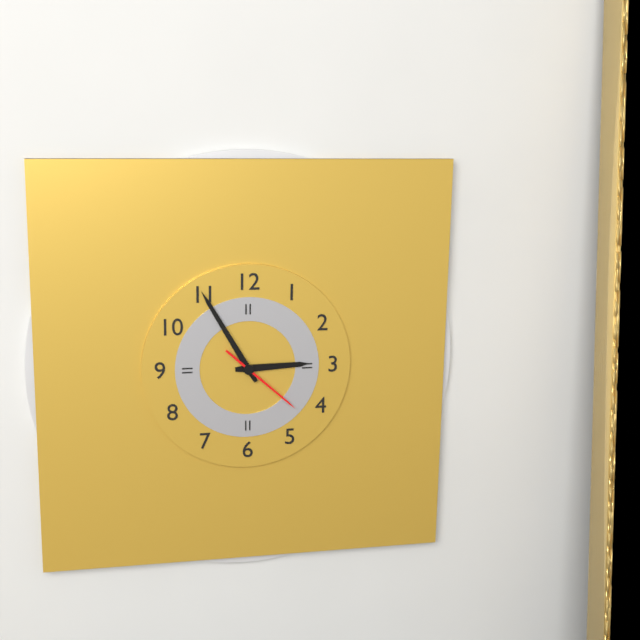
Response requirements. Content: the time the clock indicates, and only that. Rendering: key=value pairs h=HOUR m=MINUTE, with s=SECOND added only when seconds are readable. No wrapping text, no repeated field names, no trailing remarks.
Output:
h=2 m=55 s=22
